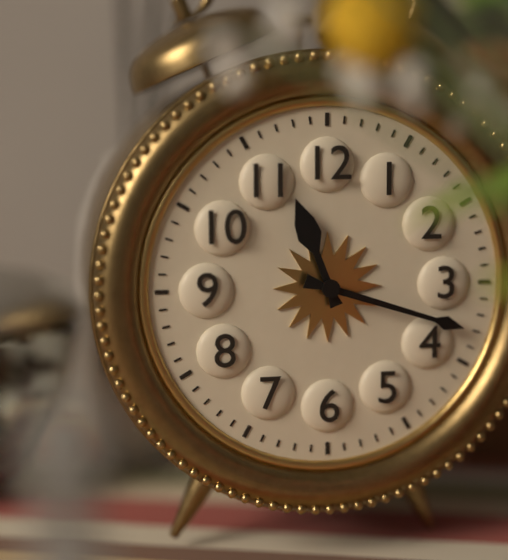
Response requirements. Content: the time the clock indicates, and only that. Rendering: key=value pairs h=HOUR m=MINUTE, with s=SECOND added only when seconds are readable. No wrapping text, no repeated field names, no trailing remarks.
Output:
h=11 m=18
